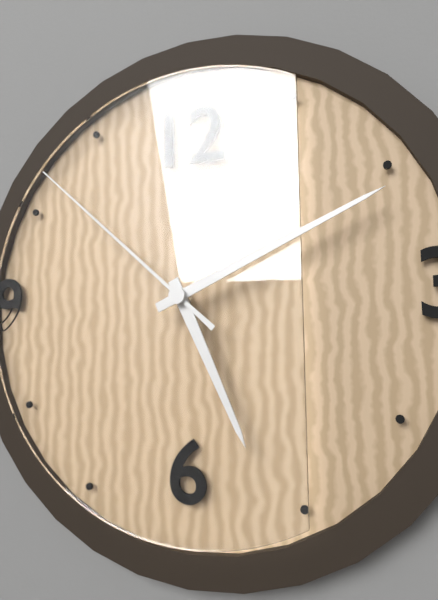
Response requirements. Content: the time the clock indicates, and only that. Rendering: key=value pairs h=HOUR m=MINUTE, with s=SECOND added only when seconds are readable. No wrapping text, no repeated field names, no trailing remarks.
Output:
h=5 m=11 s=52
